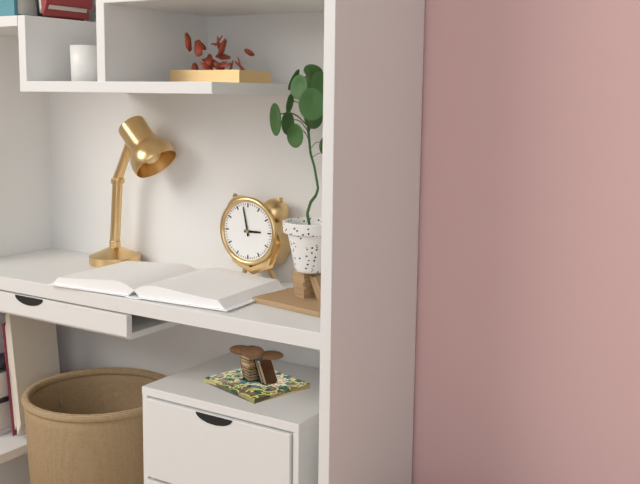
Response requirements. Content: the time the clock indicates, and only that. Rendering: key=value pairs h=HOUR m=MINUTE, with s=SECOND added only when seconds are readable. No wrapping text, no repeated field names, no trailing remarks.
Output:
h=2 m=58
